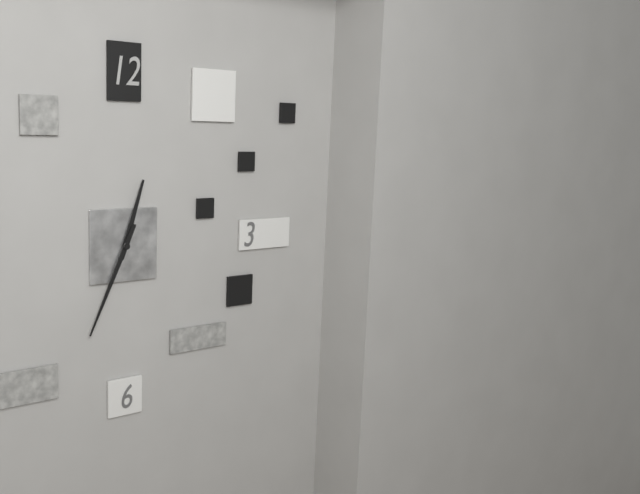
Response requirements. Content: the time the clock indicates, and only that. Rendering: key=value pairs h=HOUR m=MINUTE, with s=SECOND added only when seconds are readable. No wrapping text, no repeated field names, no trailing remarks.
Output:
h=12 m=34
